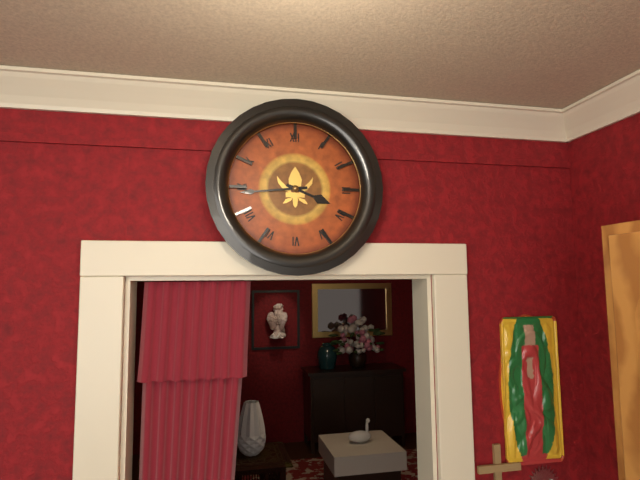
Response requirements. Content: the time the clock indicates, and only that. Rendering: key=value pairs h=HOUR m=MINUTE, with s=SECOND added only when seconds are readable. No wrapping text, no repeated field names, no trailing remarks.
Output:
h=3 m=44
